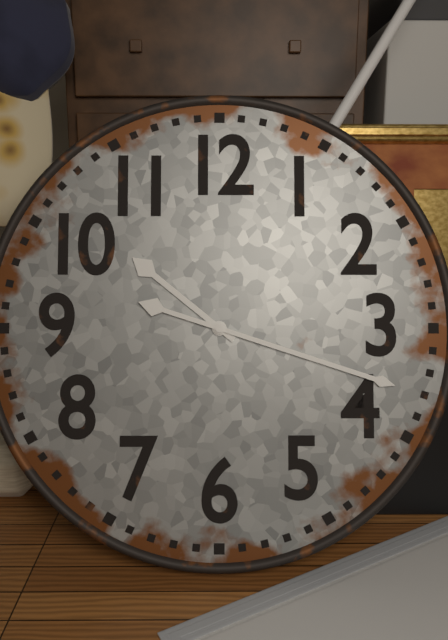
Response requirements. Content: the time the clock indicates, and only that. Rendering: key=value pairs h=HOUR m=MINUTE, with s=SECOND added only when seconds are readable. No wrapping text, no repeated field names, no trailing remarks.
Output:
h=10 m=18
